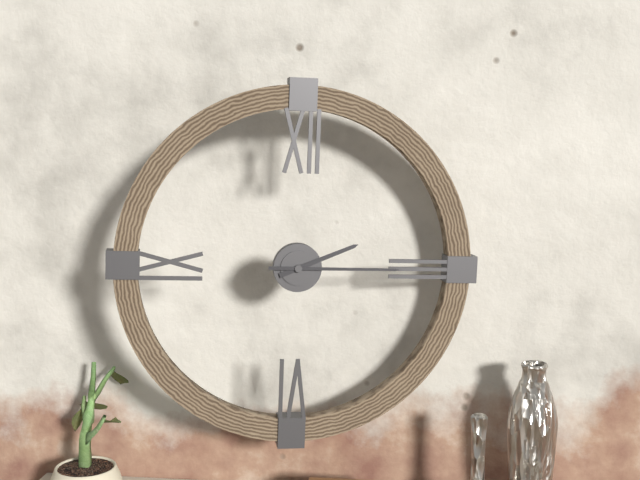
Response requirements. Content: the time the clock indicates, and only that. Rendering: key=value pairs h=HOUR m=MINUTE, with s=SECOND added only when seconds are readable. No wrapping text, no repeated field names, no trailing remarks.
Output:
h=2 m=15
